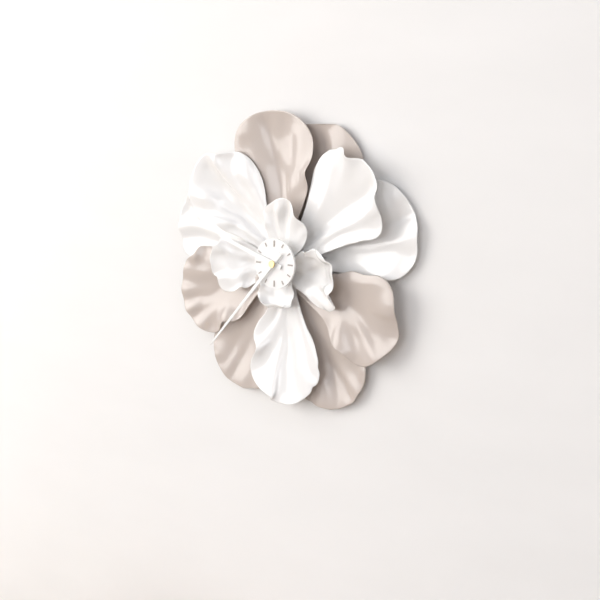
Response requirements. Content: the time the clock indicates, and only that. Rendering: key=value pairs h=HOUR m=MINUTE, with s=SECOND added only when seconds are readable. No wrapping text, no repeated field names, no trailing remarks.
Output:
h=9 m=37
